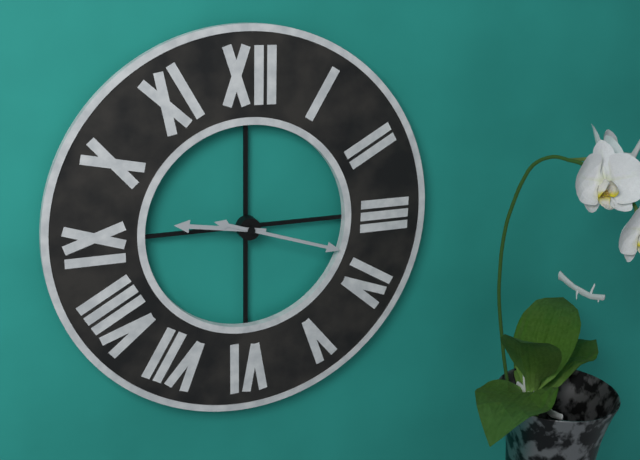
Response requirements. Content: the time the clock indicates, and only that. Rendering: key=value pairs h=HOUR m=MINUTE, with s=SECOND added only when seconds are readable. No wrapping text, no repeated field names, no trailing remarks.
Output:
h=9 m=18
